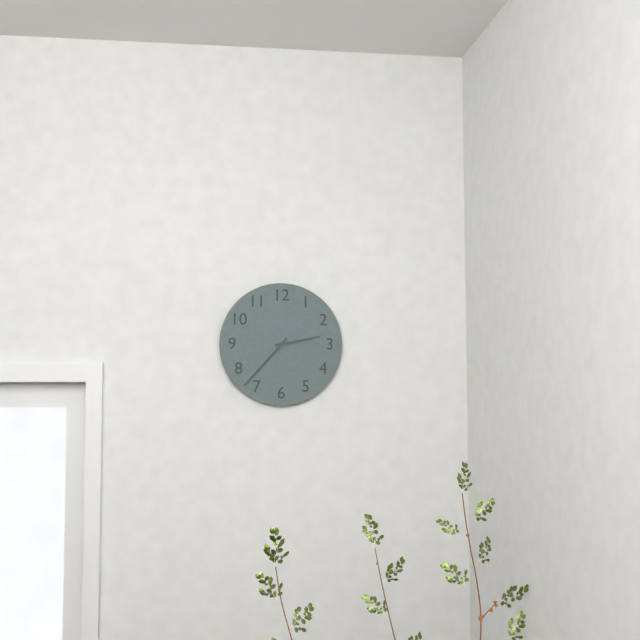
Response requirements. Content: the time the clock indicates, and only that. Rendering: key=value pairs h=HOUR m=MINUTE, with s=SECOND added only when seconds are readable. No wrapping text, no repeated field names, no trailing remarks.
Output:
h=2 m=37
